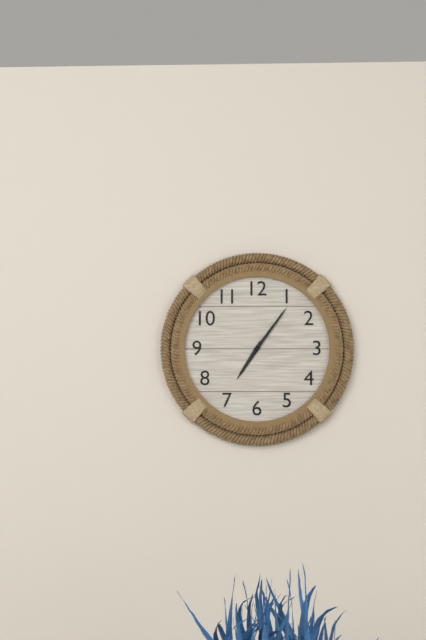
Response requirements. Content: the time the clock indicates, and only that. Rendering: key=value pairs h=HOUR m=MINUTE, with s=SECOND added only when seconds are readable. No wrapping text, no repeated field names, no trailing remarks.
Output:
h=7 m=6
